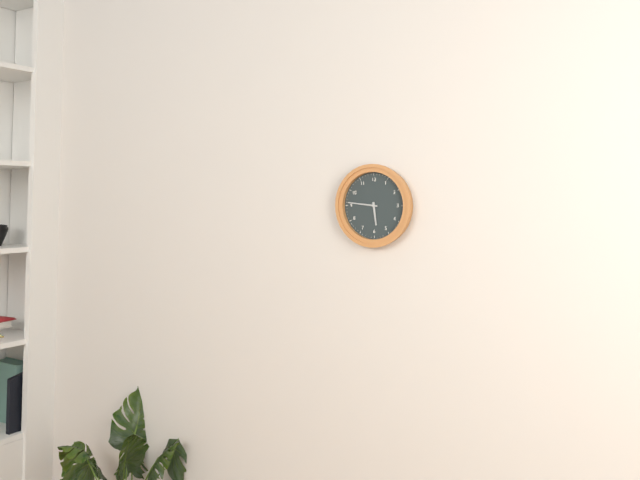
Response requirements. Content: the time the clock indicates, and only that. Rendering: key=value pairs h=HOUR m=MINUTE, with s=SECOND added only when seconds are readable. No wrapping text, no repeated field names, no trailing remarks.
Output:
h=5 m=46
